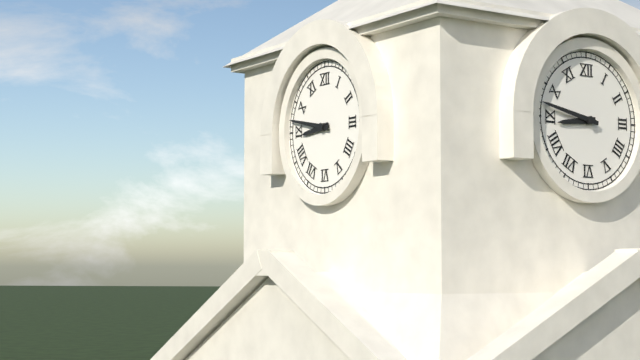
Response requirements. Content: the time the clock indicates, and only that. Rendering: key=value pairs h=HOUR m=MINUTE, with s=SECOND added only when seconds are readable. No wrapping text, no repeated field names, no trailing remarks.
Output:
h=8 m=47
